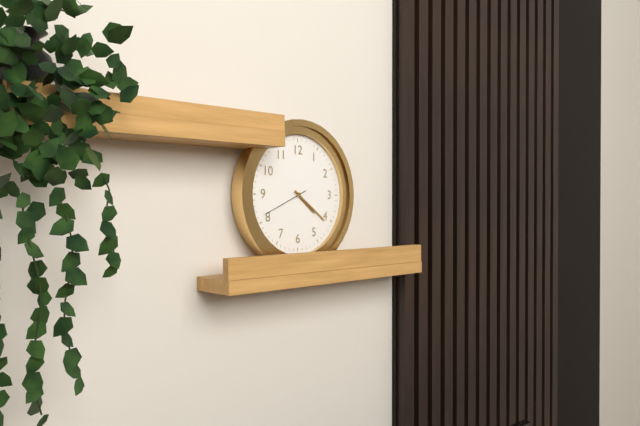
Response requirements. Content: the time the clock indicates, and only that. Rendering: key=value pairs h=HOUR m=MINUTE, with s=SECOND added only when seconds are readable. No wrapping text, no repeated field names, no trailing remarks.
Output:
h=4 m=21 s=41
